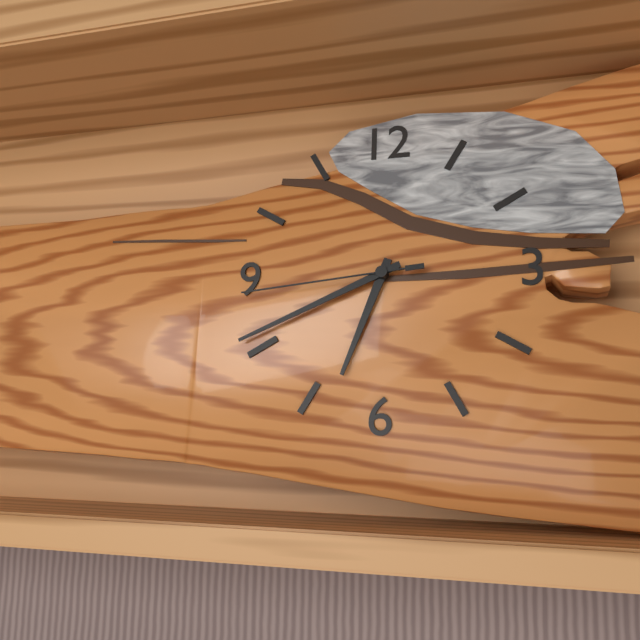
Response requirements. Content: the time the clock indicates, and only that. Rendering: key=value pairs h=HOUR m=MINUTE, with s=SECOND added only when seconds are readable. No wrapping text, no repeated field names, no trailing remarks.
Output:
h=6 m=41 s=44
